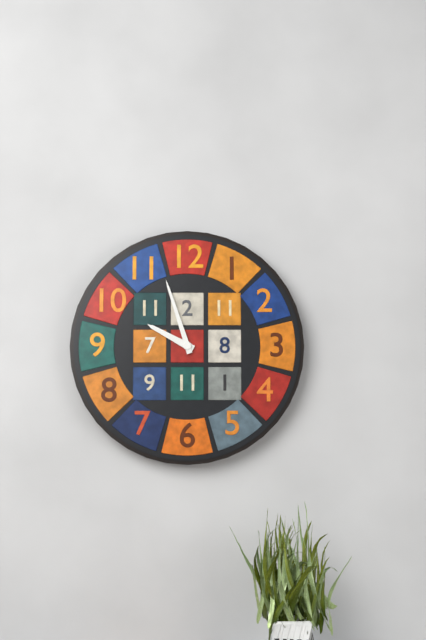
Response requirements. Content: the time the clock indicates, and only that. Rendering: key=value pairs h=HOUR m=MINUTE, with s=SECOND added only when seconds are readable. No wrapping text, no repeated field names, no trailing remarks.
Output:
h=9 m=57
